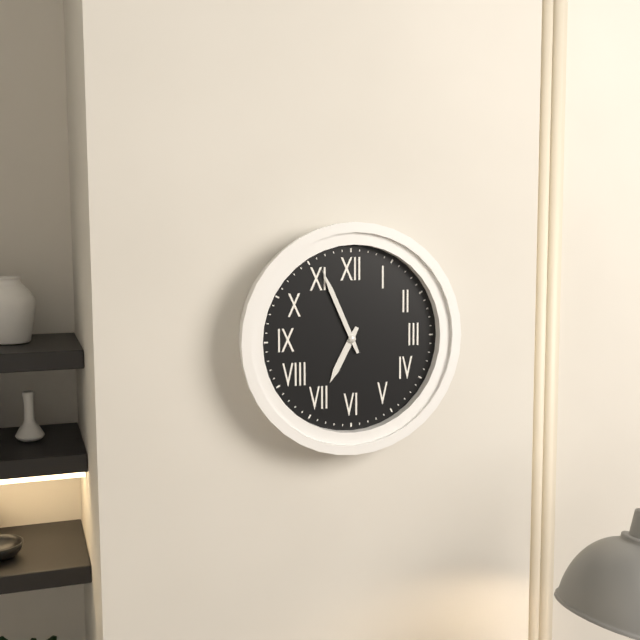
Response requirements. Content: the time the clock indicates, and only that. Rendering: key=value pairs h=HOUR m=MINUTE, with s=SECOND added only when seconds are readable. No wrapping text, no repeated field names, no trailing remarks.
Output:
h=6 m=56
